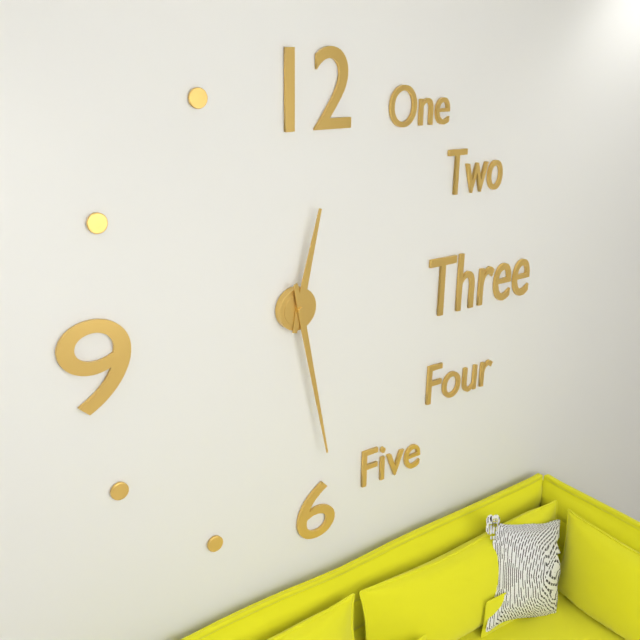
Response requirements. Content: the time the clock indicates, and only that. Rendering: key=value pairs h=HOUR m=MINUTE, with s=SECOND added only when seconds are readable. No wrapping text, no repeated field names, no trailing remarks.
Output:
h=12 m=28
